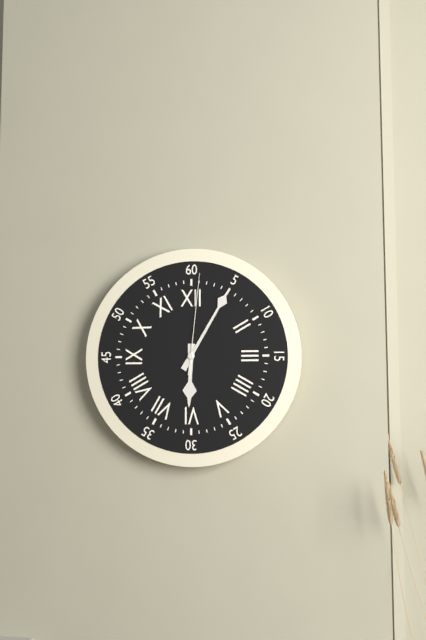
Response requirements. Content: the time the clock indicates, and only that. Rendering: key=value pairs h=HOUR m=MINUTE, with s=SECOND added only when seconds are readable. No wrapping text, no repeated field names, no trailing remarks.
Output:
h=6 m=5 s=1
